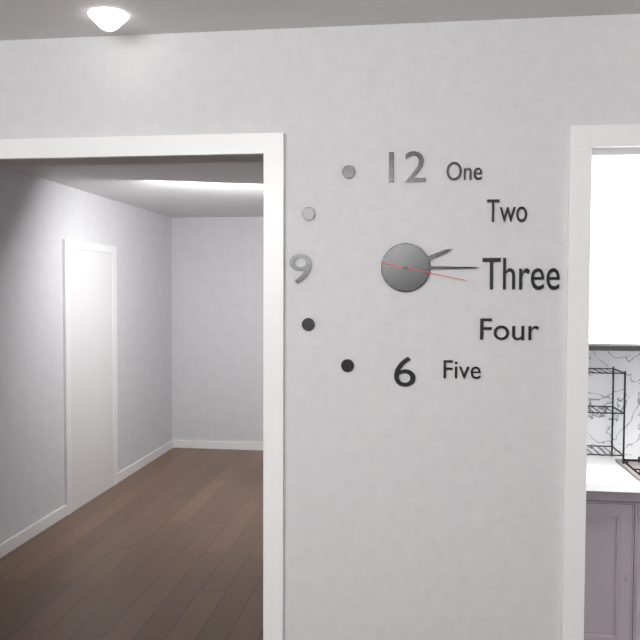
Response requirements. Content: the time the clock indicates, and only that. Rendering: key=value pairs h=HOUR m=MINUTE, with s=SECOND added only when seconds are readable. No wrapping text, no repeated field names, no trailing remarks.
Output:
h=2 m=15 s=17
